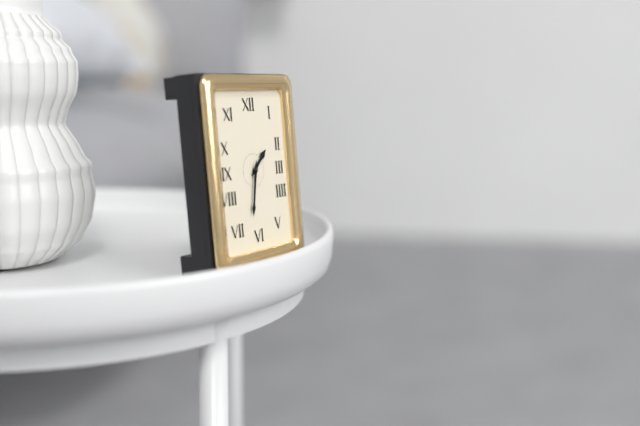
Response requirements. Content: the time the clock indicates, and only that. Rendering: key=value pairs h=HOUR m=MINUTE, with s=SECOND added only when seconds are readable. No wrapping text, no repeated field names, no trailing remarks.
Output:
h=1 m=32
